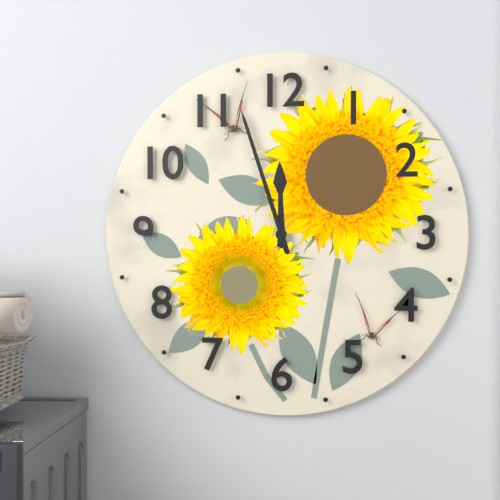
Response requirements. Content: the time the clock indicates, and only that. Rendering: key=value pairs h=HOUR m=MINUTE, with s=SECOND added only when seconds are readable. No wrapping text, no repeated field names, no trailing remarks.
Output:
h=11 m=57
